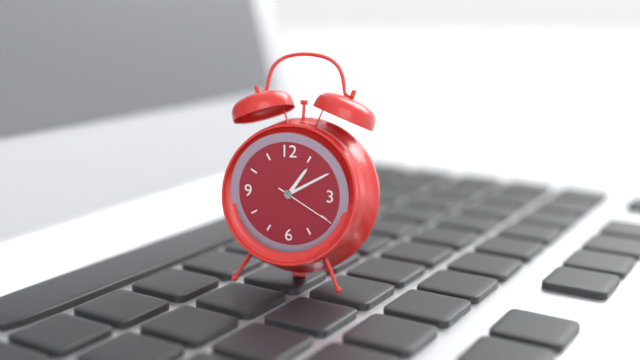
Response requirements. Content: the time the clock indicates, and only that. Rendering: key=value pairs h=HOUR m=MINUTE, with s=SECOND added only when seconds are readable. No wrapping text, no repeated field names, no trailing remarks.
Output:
h=1 m=10 s=20
